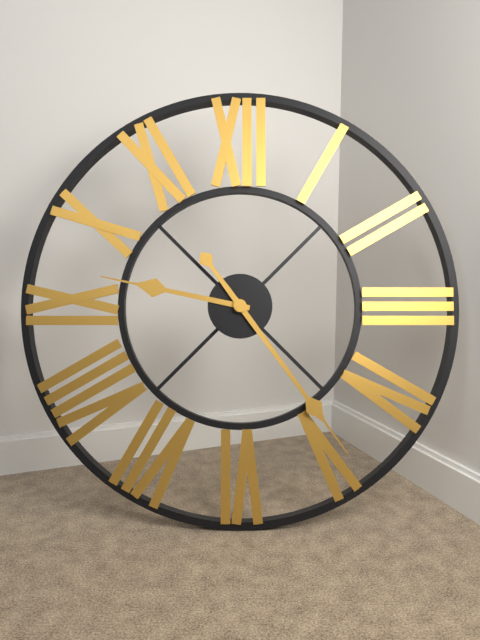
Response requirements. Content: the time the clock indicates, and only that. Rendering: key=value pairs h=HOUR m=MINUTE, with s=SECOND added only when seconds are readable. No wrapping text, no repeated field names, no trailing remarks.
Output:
h=9 m=24
